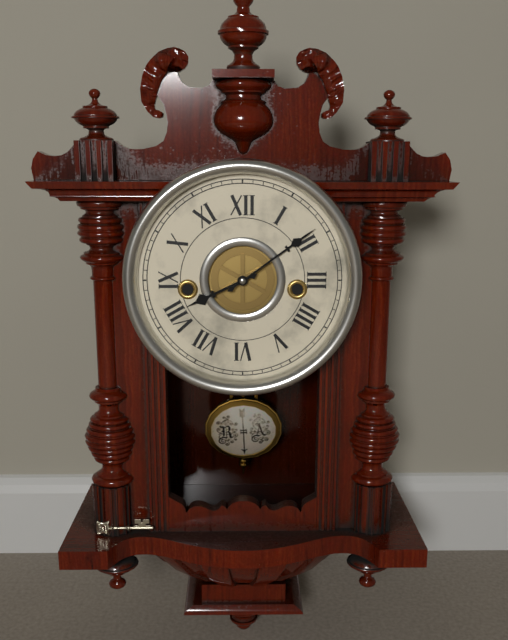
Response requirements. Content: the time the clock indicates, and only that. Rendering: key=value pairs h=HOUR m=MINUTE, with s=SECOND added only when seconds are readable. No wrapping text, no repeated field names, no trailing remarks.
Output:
h=8 m=9
